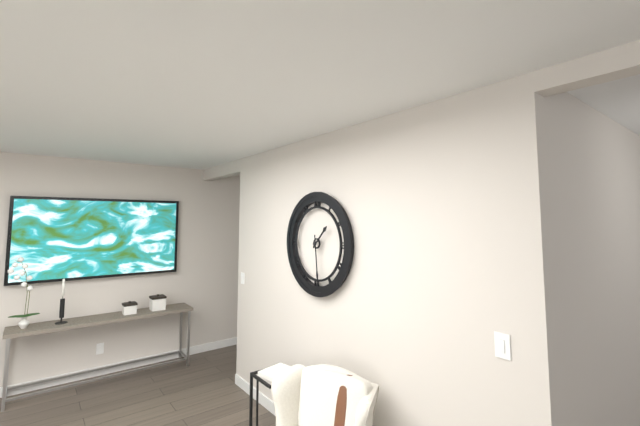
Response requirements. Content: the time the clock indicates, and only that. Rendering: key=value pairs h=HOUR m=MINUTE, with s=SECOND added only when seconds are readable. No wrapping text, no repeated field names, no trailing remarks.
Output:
h=1 m=29
